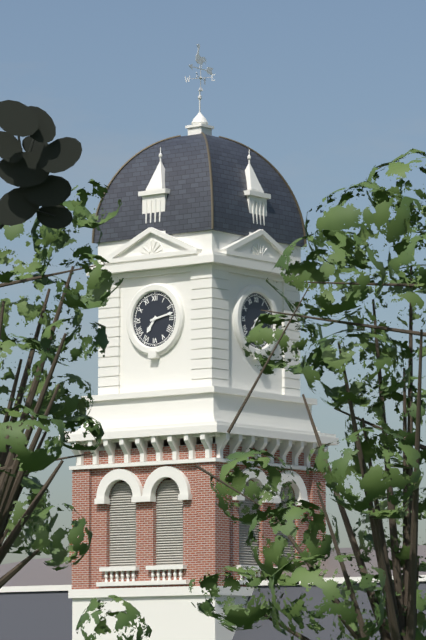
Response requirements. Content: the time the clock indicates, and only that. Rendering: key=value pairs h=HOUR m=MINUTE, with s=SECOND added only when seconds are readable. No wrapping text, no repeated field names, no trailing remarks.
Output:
h=7 m=13
